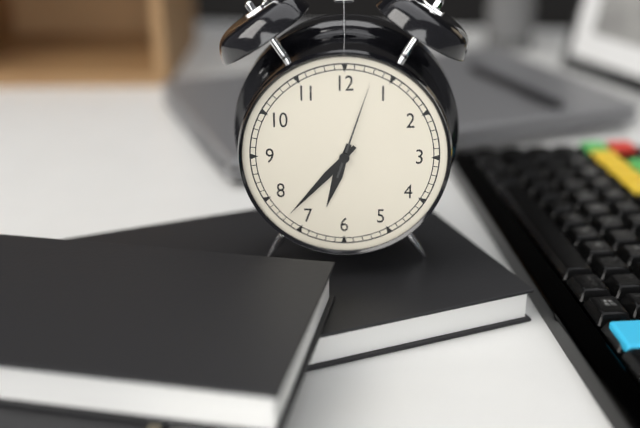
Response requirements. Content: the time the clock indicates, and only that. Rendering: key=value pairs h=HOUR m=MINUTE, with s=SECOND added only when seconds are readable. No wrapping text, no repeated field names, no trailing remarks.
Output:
h=6 m=37 s=3
